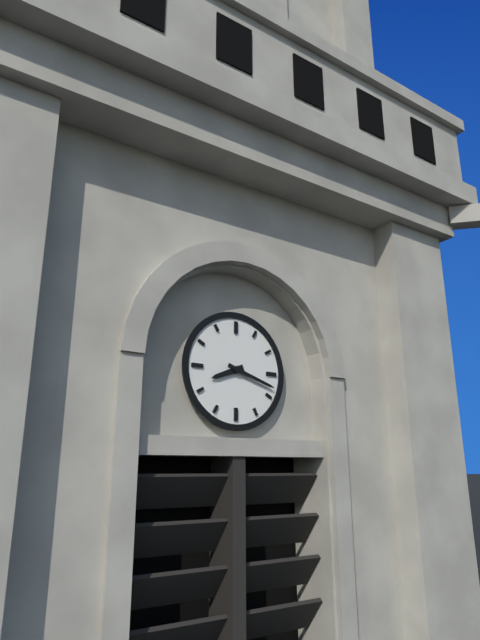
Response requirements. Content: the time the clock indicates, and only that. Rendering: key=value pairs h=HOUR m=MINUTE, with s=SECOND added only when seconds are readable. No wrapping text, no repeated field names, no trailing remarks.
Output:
h=8 m=18
